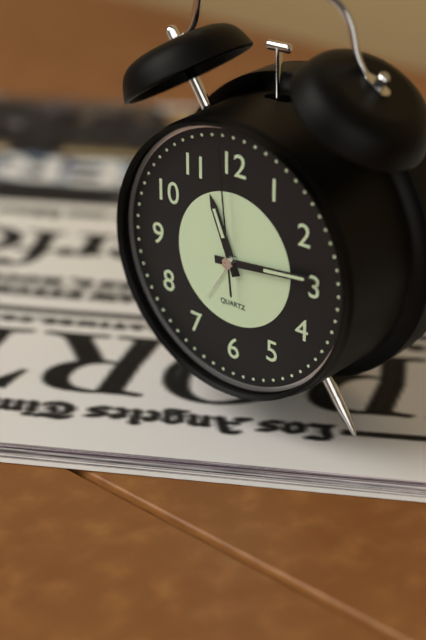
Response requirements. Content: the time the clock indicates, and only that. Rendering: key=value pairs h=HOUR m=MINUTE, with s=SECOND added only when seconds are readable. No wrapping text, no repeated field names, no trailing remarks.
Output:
h=11 m=14 s=59
